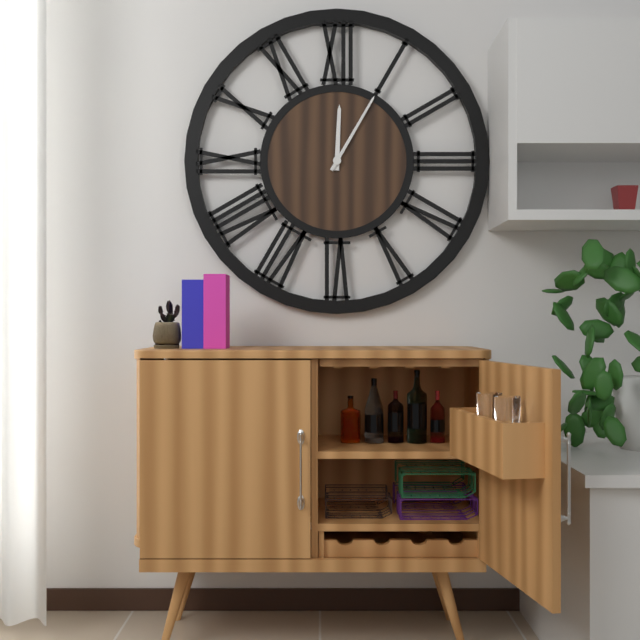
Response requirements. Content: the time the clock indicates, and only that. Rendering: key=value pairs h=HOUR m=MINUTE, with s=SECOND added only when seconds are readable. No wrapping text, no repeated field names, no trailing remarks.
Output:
h=12 m=5
